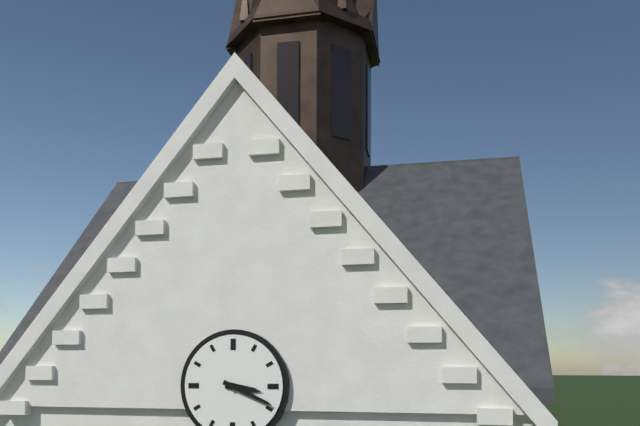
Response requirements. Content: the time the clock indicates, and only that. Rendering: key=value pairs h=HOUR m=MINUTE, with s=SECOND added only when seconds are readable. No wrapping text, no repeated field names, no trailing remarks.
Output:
h=3 m=19
